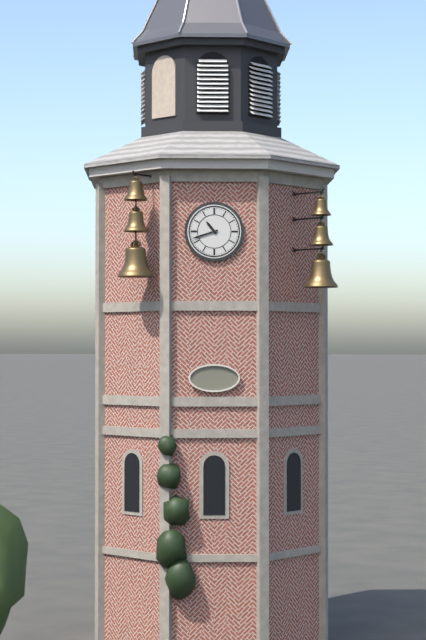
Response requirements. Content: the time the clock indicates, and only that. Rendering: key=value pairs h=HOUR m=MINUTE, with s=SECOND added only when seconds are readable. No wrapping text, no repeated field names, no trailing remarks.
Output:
h=10 m=42
